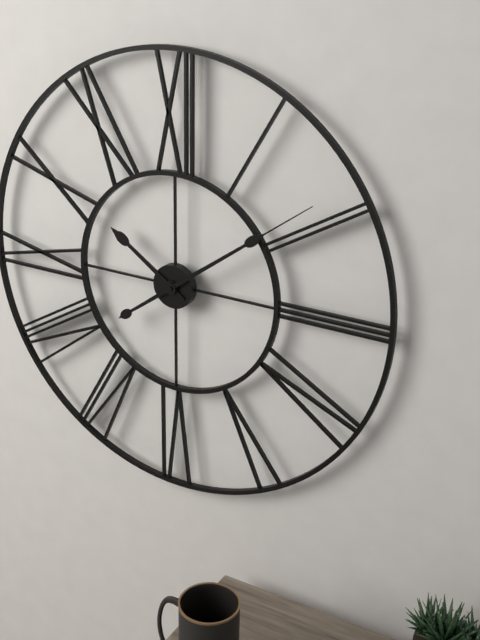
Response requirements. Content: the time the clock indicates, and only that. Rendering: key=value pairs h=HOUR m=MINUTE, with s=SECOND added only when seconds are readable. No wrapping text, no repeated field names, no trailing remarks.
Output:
h=10 m=9
